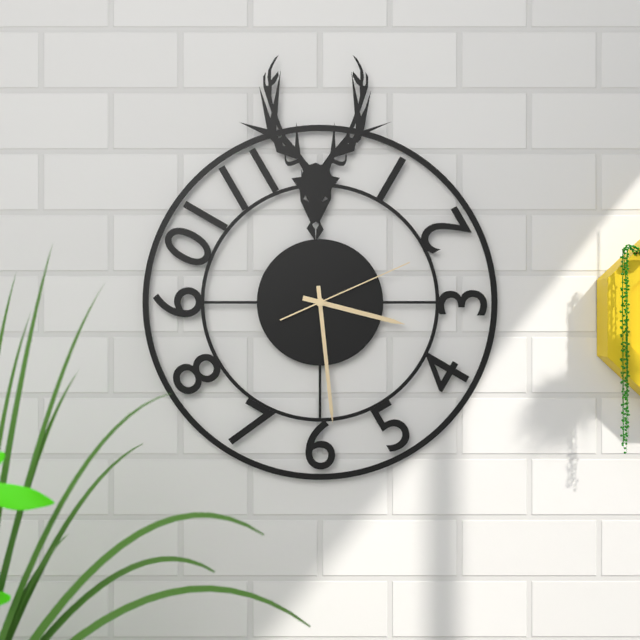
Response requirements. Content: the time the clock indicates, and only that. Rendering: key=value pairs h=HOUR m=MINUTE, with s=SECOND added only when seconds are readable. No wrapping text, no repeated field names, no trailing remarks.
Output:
h=3 m=29 s=11
